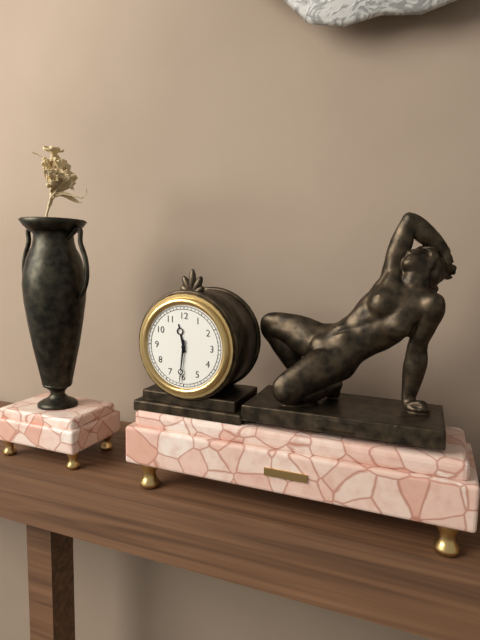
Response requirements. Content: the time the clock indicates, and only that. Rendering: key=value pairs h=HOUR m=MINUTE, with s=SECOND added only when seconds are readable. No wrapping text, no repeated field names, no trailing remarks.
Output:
h=11 m=31
